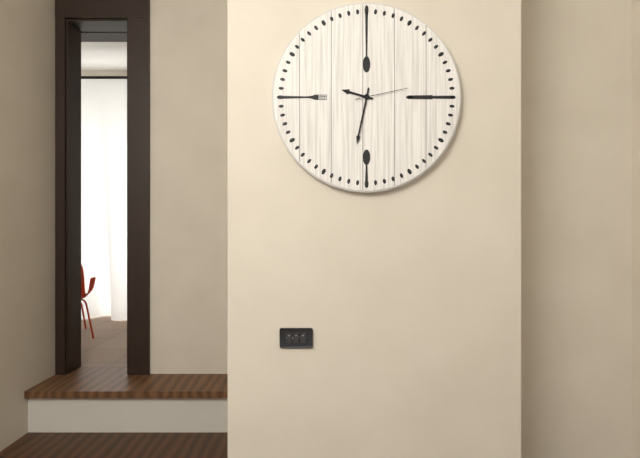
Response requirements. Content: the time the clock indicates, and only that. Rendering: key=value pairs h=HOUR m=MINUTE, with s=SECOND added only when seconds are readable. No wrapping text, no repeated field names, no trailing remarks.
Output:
h=9 m=32 s=13
